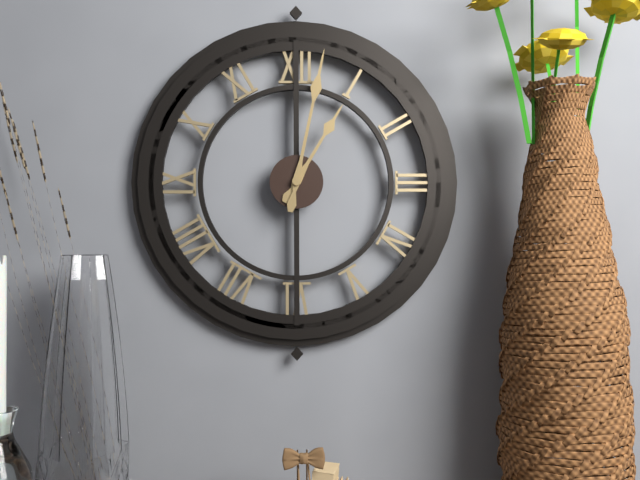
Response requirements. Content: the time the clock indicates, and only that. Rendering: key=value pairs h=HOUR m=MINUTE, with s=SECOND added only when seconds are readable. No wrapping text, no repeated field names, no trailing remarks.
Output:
h=1 m=2
